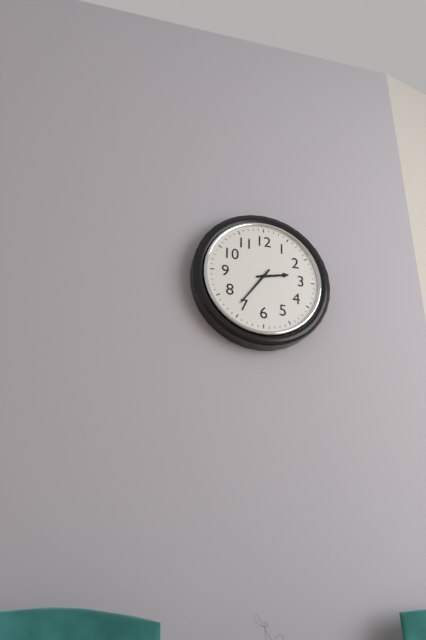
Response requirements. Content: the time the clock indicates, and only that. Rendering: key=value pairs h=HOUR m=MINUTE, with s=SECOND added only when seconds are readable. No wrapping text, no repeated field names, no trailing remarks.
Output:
h=2 m=36
